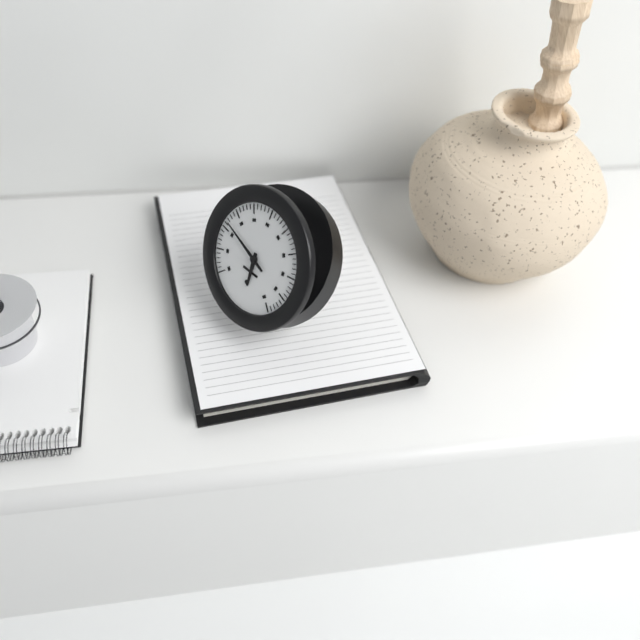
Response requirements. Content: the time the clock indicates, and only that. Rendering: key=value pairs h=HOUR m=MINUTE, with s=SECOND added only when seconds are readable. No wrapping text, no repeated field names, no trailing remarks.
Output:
h=5 m=48
